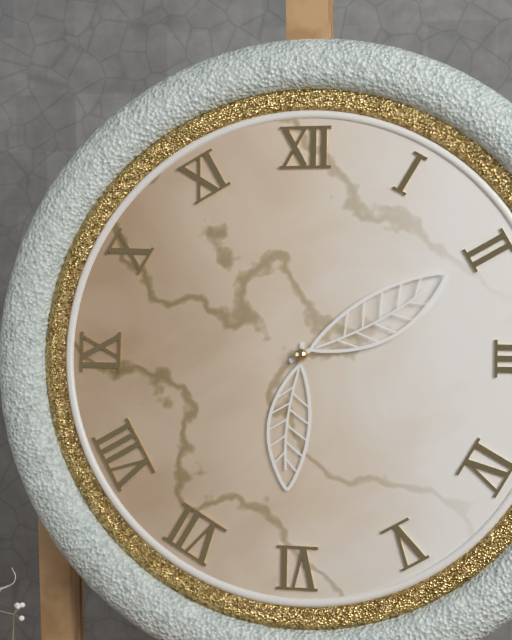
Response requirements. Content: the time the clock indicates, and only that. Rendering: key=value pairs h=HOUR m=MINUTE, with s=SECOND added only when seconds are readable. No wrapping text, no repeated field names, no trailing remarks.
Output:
h=6 m=10
